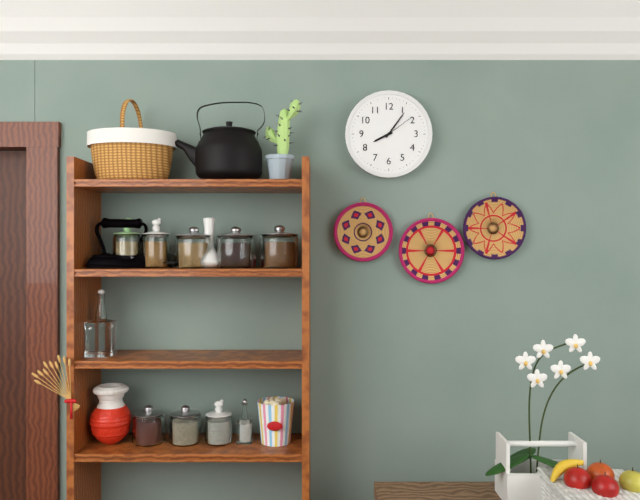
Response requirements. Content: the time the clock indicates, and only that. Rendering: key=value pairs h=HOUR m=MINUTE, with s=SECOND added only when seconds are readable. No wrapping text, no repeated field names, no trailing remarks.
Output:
h=8 m=6
